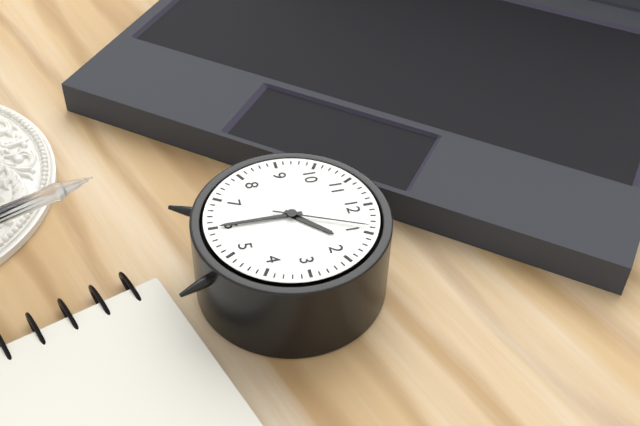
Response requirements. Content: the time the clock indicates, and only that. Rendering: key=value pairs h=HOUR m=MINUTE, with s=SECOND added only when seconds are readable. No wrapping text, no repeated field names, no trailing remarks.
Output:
h=1 m=30 s=4
